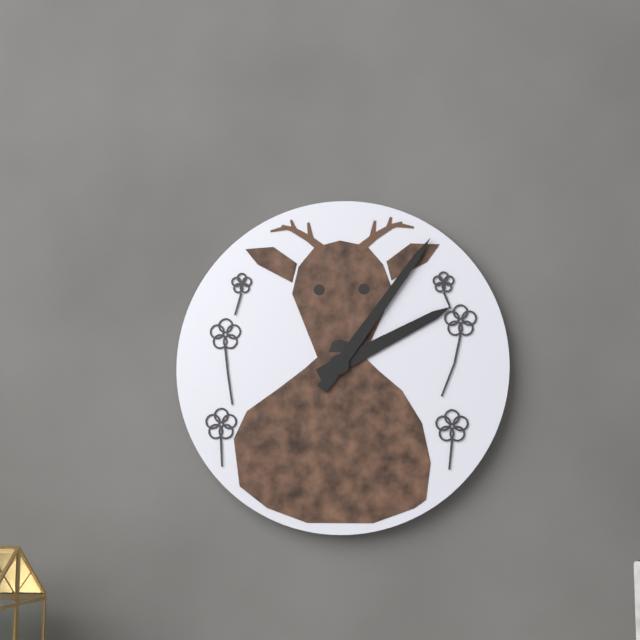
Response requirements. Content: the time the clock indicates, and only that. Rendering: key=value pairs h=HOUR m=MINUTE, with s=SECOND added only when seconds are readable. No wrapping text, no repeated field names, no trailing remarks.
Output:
h=2 m=6
